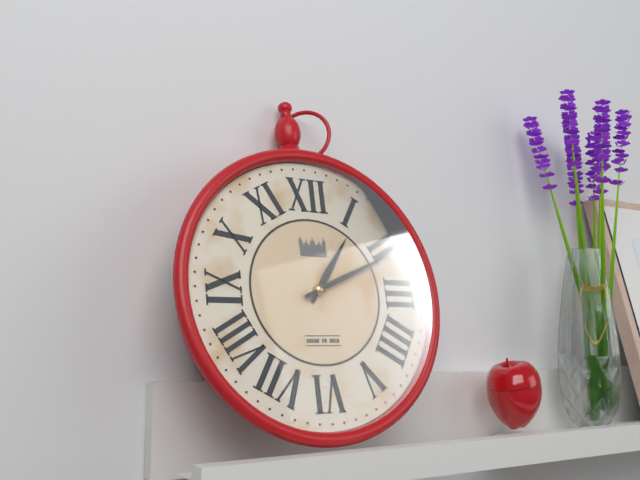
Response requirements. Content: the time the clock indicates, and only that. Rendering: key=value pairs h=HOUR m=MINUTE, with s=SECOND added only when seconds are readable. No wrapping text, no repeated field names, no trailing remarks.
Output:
h=1 m=11
